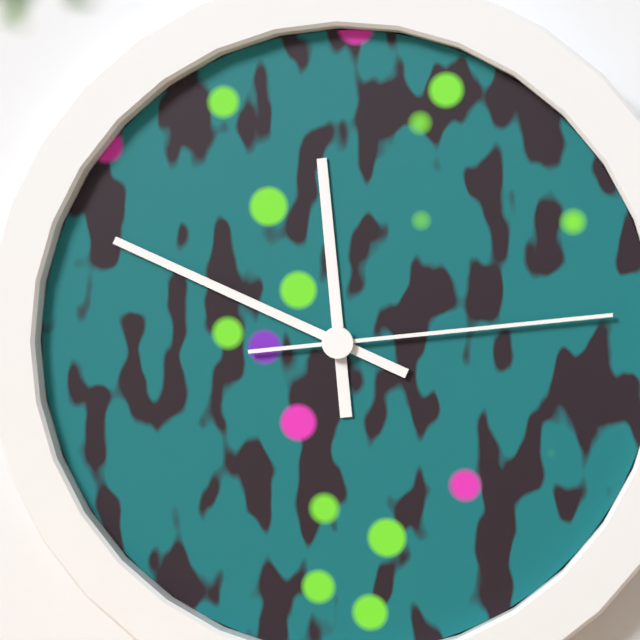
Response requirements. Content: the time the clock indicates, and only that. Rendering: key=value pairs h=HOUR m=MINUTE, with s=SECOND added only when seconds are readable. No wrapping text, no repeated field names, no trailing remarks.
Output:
h=11 m=49 s=14
